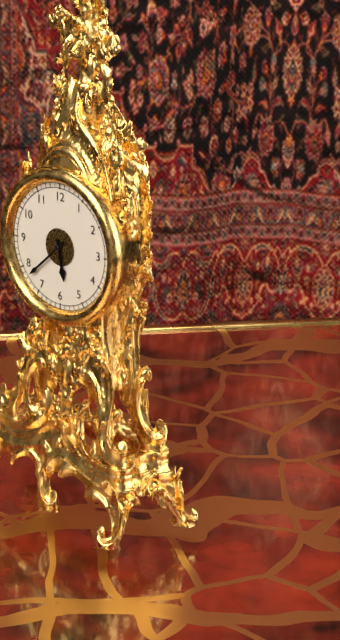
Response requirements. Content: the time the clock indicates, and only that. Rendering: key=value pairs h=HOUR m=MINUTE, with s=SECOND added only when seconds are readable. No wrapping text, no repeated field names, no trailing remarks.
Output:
h=5 m=38
